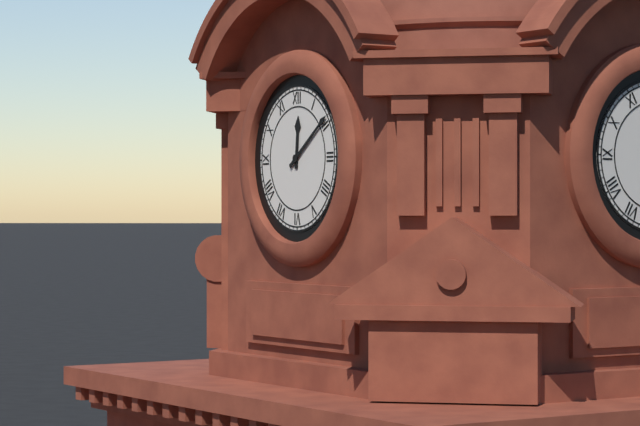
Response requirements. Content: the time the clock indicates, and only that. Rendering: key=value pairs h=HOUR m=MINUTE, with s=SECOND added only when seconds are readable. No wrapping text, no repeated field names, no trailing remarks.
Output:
h=12 m=9
